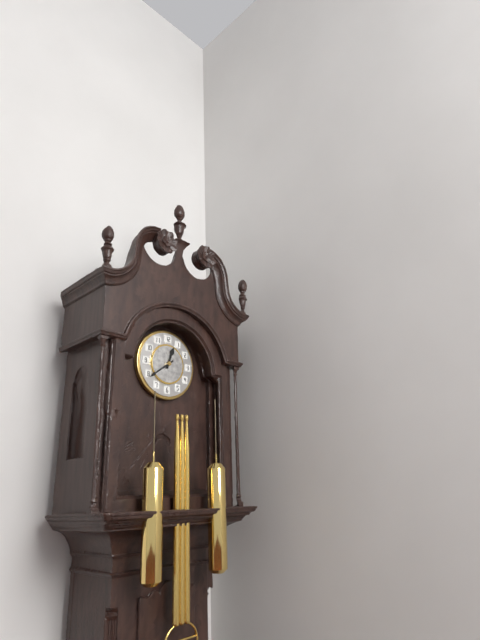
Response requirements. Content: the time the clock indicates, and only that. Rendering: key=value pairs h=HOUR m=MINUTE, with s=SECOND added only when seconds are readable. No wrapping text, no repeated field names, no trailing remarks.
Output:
h=12 m=39
